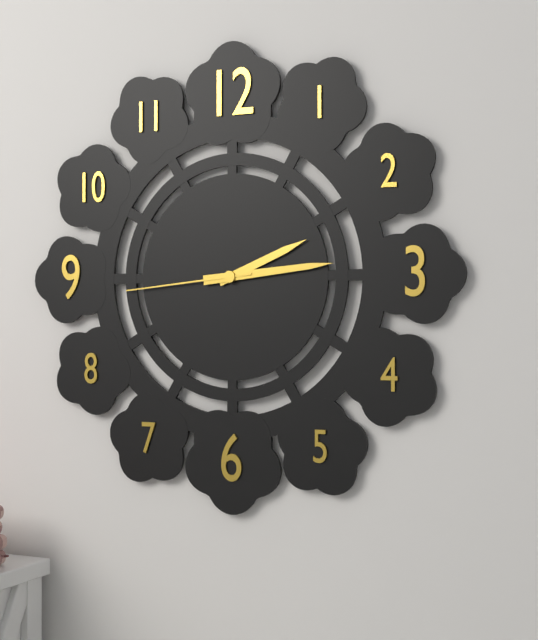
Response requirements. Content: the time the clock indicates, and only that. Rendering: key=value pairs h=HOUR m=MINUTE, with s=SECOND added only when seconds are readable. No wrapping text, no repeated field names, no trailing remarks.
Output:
h=2 m=14 s=44
